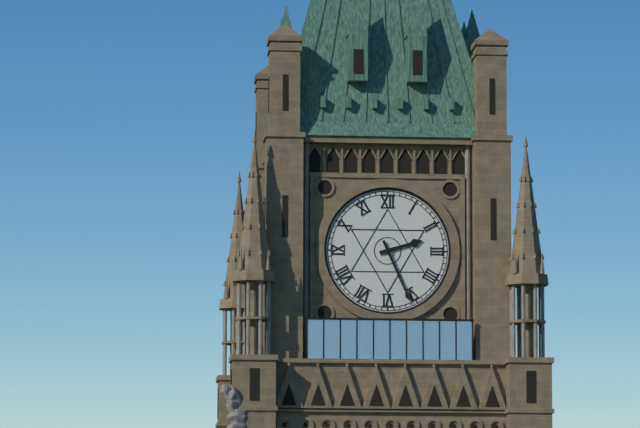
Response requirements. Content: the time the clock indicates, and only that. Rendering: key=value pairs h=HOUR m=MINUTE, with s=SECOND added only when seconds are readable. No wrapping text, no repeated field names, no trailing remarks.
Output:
h=2 m=26
